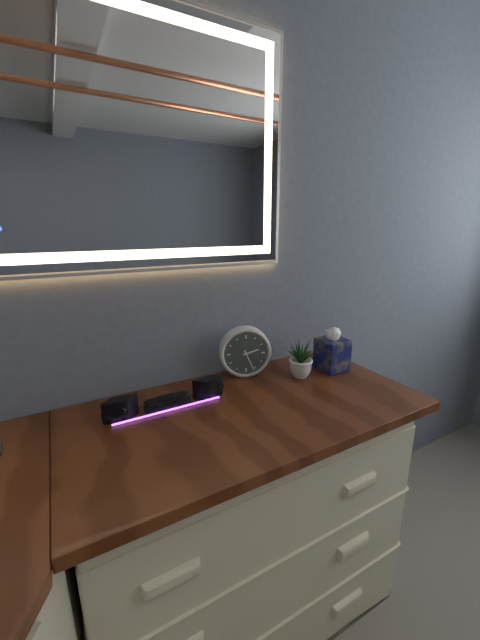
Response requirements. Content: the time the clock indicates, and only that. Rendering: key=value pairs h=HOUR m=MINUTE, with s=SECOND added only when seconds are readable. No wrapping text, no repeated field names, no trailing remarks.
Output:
h=2 m=26
